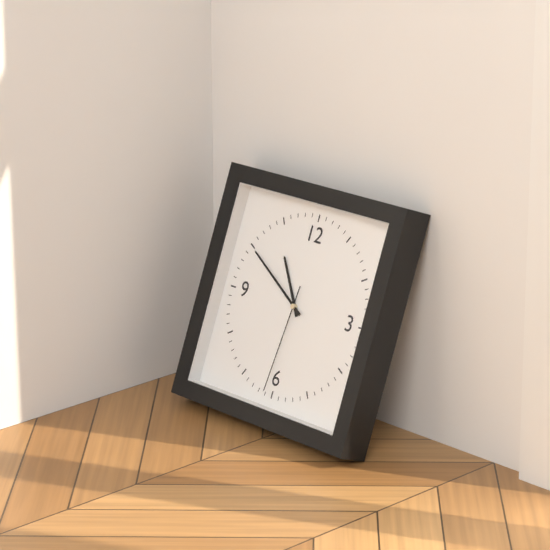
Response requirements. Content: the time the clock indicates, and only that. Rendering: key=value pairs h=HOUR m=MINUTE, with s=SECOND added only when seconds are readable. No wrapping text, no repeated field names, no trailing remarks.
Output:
h=10 m=50 s=31
